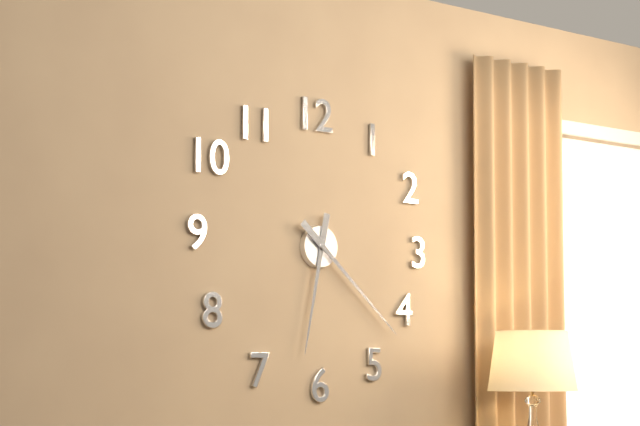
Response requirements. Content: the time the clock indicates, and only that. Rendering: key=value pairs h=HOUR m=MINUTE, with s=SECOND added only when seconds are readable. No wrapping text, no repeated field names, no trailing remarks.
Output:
h=6 m=22
